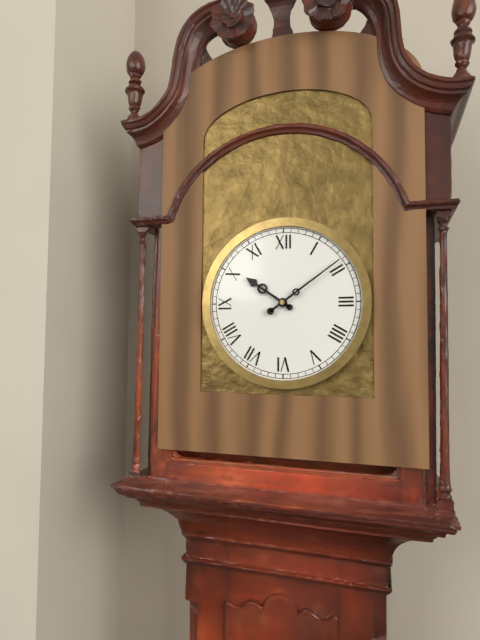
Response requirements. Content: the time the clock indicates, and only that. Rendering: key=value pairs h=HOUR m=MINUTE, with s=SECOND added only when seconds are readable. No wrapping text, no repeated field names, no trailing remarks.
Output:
h=10 m=9
